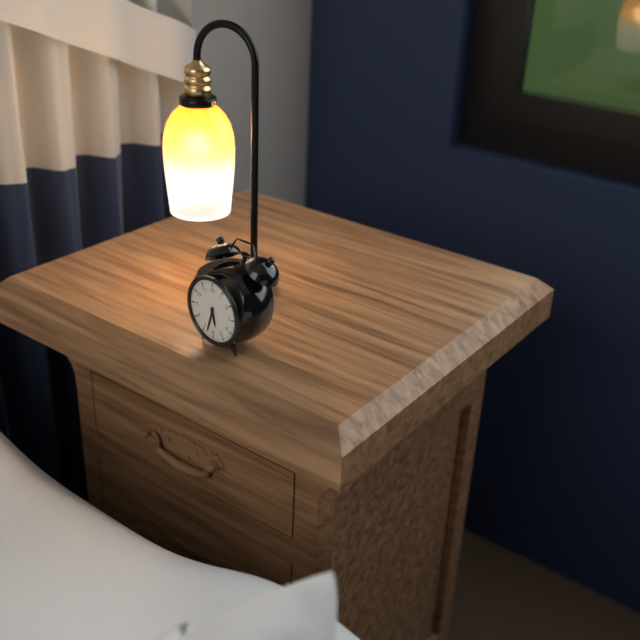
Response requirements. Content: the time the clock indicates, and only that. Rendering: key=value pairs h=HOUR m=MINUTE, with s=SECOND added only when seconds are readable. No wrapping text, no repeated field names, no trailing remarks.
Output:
h=5 m=33
